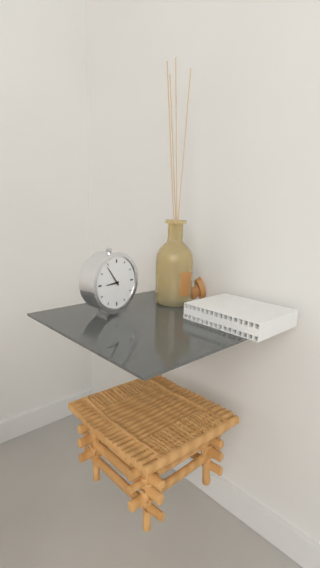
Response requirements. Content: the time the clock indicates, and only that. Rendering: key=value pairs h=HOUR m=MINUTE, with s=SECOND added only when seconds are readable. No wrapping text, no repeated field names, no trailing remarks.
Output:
h=8 m=54
